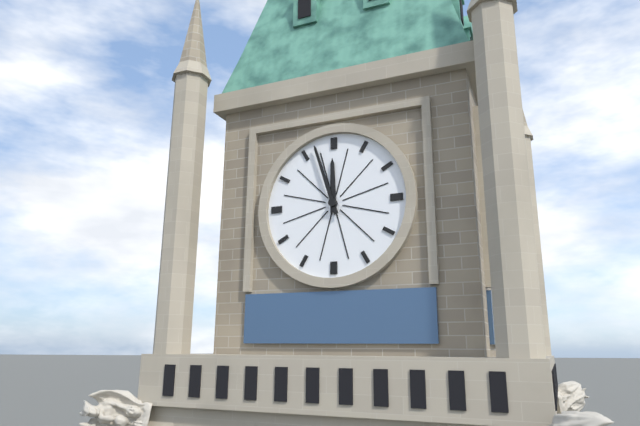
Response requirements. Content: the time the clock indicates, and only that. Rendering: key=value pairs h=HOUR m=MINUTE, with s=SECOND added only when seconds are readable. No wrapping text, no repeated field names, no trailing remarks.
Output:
h=11 m=57
